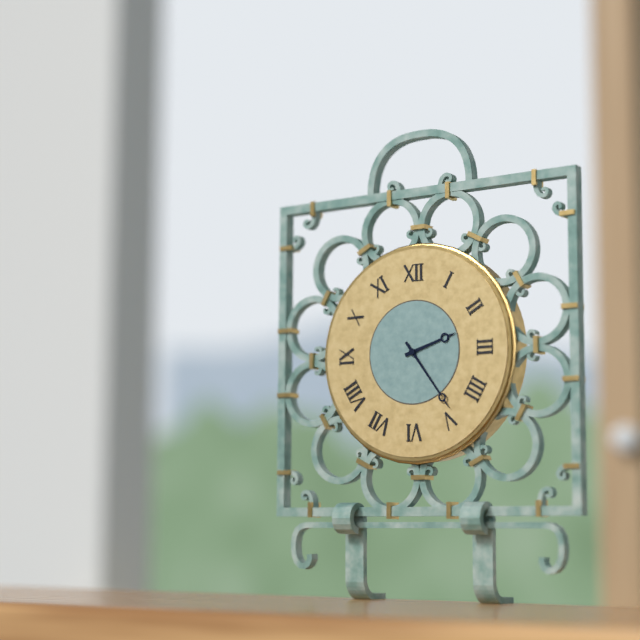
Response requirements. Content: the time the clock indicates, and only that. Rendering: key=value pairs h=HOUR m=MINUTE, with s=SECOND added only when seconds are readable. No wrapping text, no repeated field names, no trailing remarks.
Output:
h=2 m=24
